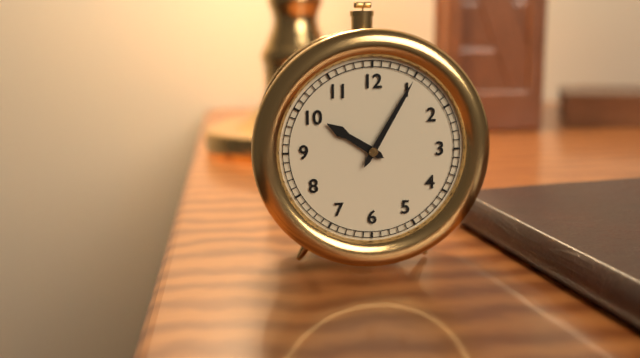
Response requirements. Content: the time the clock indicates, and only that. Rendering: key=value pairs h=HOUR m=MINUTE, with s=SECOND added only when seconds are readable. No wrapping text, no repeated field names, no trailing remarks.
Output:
h=10 m=5
